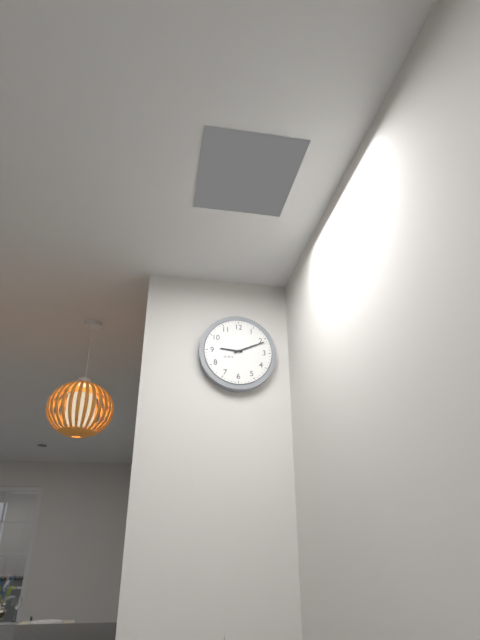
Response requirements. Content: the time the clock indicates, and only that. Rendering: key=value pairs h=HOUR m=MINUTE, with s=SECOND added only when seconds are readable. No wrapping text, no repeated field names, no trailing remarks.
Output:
h=9 m=11
